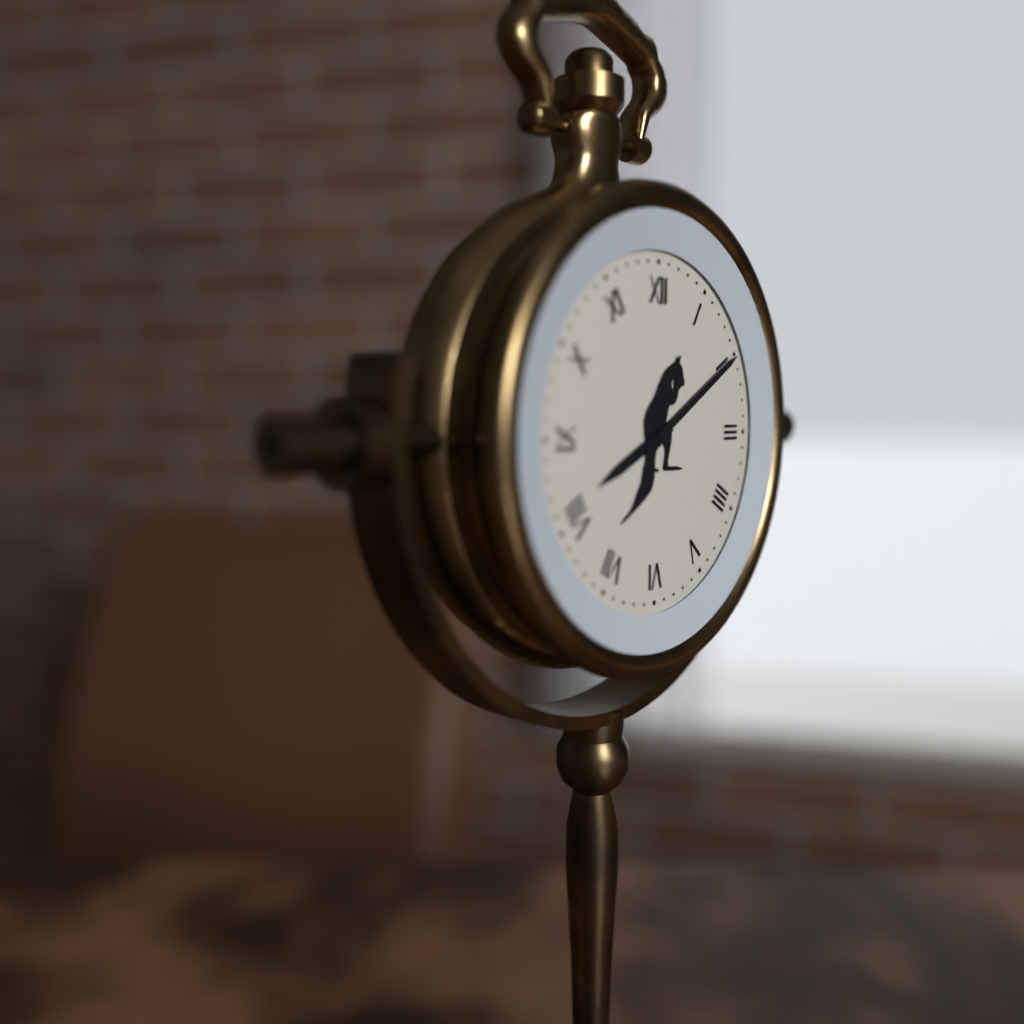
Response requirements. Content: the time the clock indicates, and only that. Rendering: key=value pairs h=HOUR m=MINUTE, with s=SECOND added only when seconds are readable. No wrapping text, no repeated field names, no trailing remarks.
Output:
h=8 m=10
